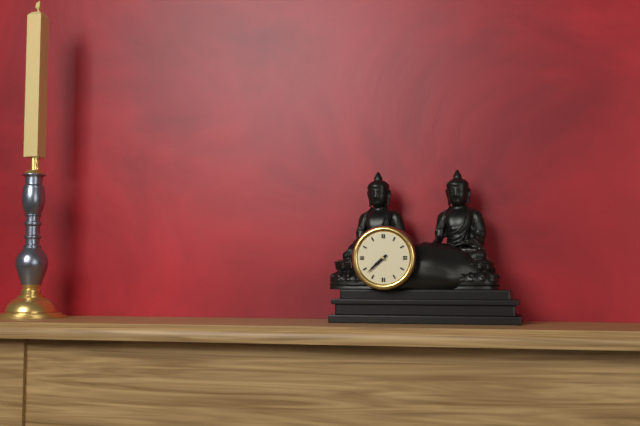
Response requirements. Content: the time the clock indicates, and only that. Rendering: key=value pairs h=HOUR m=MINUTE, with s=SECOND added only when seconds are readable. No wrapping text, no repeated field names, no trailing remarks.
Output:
h=7 m=38
